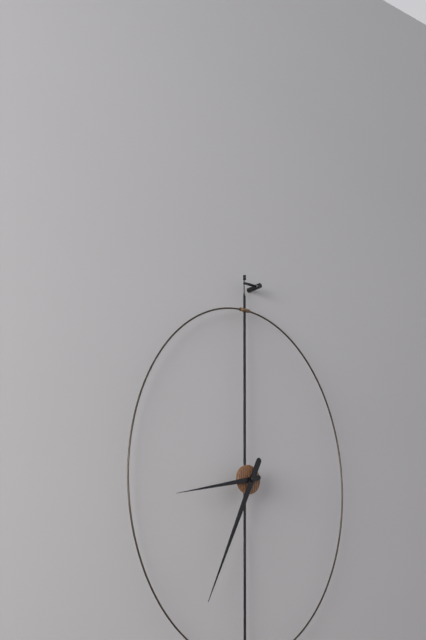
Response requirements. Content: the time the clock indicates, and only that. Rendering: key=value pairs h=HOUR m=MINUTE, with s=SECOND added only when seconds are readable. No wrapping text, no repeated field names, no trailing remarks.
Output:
h=8 m=34
